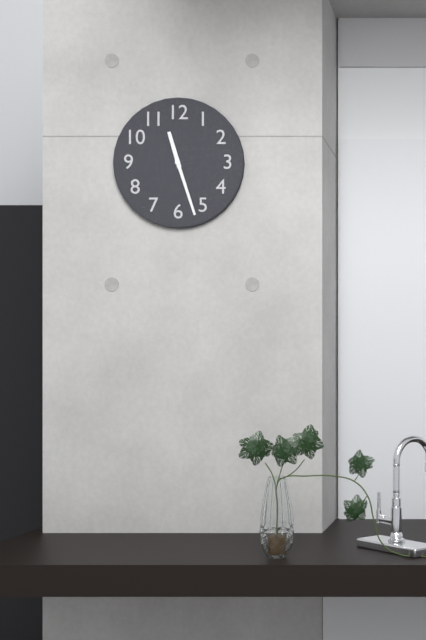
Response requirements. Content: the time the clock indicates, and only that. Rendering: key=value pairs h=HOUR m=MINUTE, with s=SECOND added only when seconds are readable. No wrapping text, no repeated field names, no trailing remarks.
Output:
h=11 m=27
